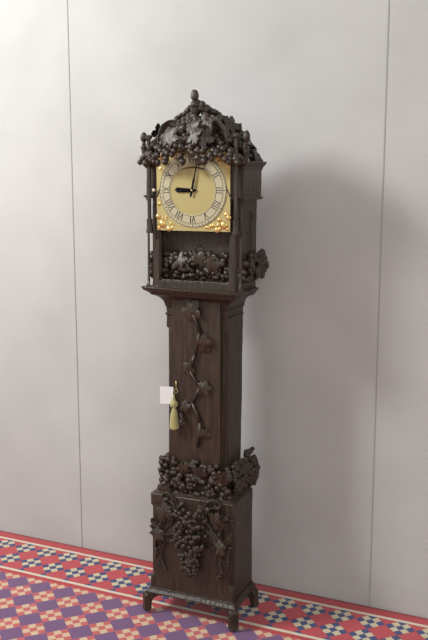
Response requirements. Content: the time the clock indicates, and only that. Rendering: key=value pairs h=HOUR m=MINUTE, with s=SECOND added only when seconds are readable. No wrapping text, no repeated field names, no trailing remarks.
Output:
h=9 m=2
